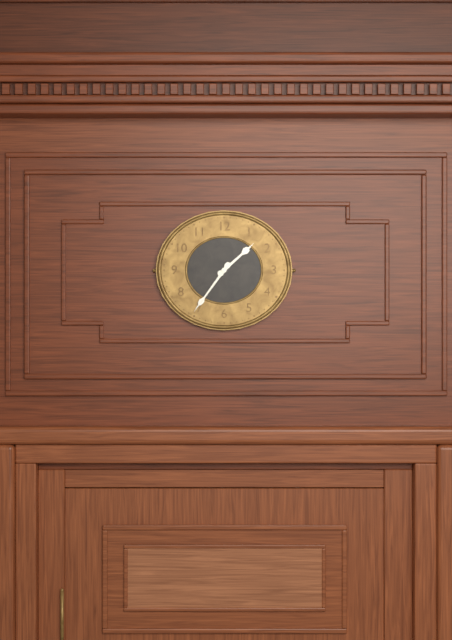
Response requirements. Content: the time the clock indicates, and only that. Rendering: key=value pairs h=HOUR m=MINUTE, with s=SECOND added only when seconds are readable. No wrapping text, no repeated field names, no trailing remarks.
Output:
h=1 m=36
